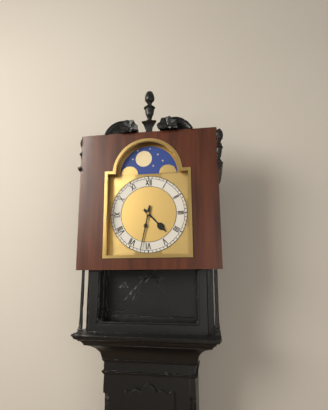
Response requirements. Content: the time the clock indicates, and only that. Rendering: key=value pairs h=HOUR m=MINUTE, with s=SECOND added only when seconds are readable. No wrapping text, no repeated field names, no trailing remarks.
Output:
h=4 m=32
